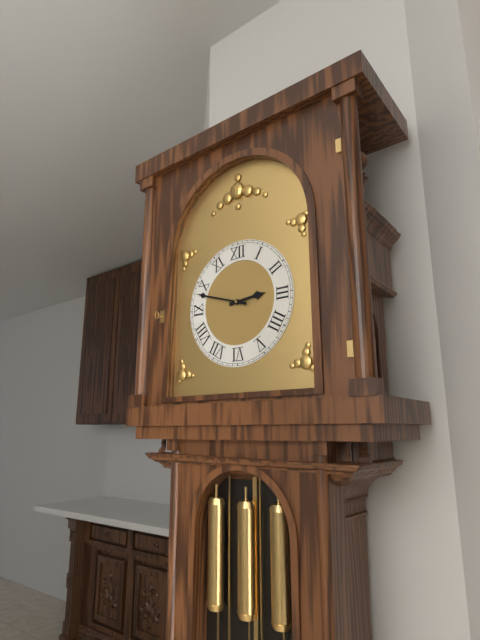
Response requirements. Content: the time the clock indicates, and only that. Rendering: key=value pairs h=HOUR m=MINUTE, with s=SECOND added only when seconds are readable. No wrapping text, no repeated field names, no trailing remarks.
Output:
h=2 m=48
